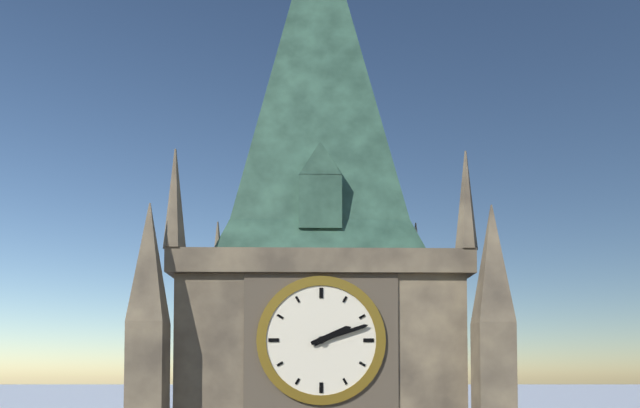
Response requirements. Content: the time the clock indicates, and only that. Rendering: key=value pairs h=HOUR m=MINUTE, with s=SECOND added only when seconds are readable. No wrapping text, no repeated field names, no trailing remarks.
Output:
h=2 m=12
